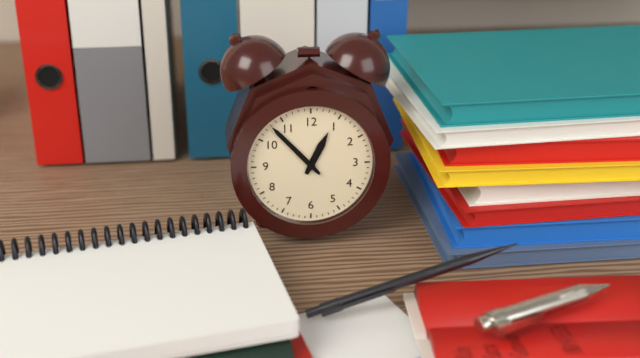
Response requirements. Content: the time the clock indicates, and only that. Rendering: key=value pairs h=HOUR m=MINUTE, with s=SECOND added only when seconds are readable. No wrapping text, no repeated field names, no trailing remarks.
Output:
h=12 m=53
